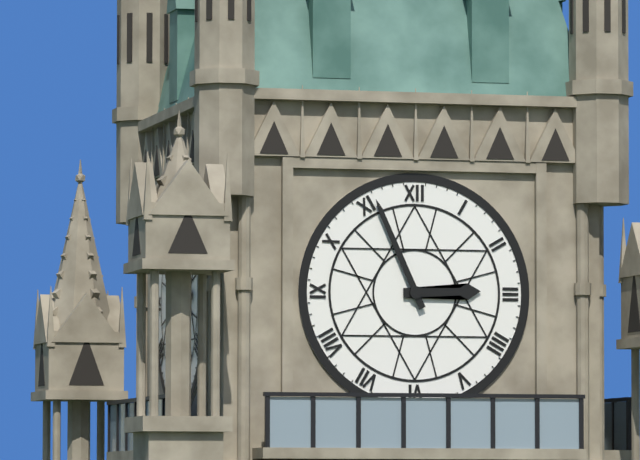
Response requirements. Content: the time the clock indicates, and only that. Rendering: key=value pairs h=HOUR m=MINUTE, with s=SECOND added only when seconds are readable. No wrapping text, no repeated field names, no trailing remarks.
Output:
h=2 m=56
